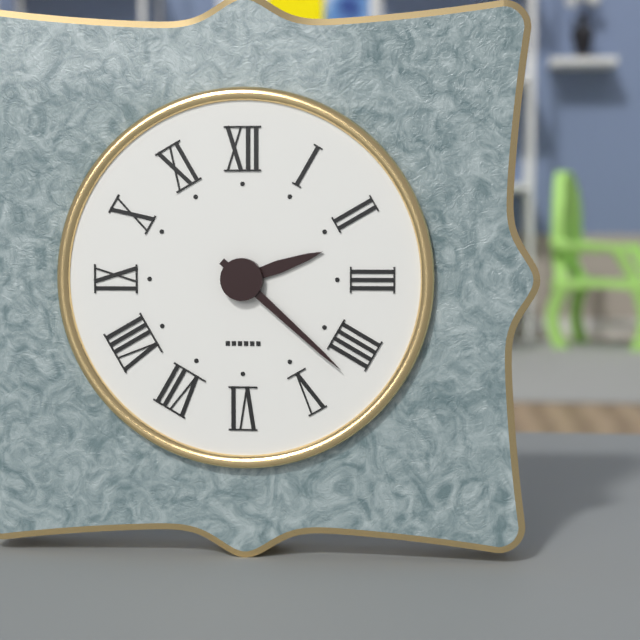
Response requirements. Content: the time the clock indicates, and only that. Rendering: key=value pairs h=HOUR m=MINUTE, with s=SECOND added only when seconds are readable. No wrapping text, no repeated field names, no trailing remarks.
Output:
h=2 m=22
